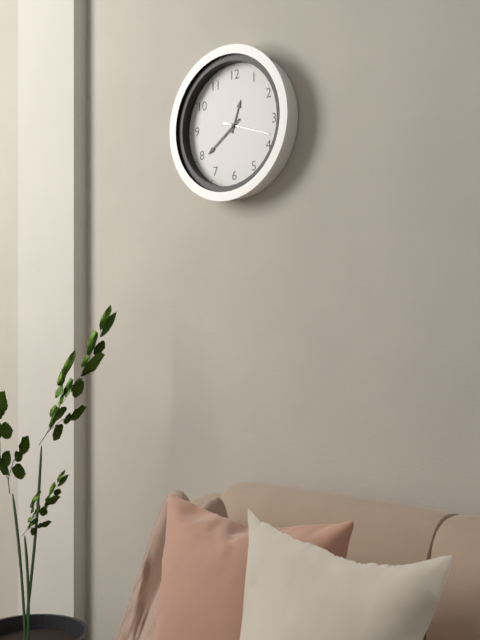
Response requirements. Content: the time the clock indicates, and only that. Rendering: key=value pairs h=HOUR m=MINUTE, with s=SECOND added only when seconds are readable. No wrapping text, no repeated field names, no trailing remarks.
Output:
h=12 m=39
